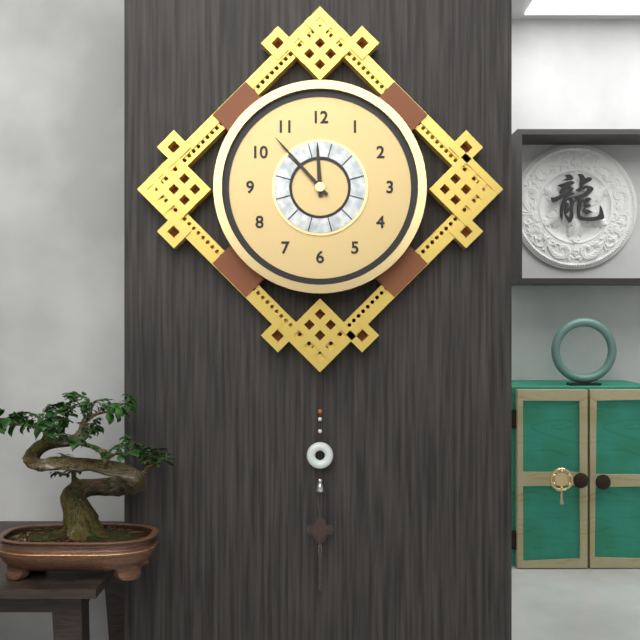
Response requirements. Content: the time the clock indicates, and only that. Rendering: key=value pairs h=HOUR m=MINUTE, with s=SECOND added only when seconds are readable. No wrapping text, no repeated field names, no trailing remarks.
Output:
h=11 m=53
